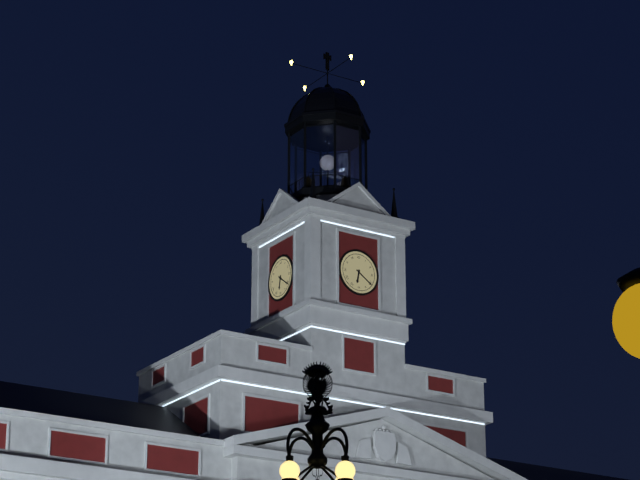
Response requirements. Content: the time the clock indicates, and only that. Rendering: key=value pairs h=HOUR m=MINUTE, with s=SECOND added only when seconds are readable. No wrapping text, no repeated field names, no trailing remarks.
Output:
h=6 m=21
